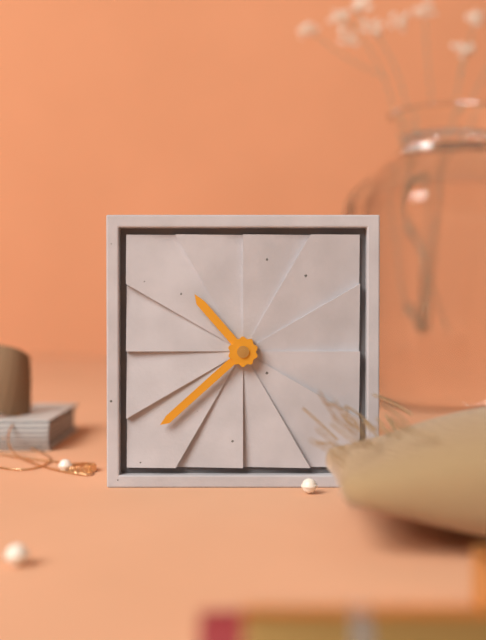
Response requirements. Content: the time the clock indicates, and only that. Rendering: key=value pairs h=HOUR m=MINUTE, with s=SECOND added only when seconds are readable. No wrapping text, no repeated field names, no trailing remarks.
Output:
h=10 m=38
